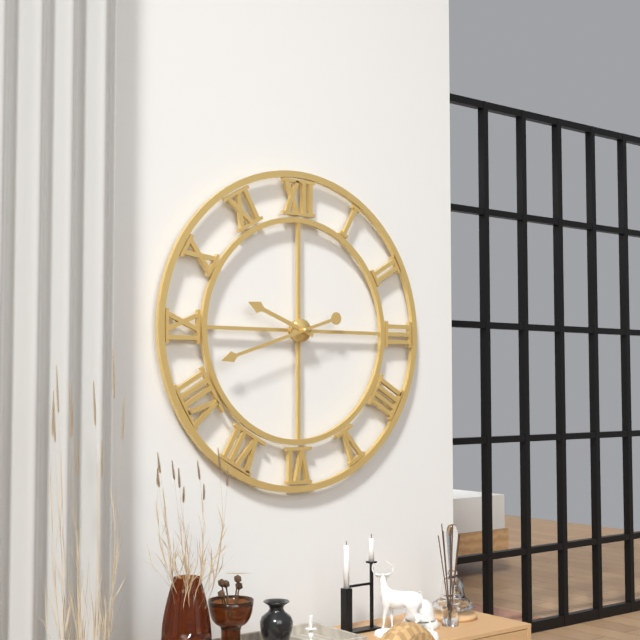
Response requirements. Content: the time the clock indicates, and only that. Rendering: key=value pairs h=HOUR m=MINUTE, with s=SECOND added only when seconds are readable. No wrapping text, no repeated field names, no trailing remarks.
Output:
h=9 m=42
